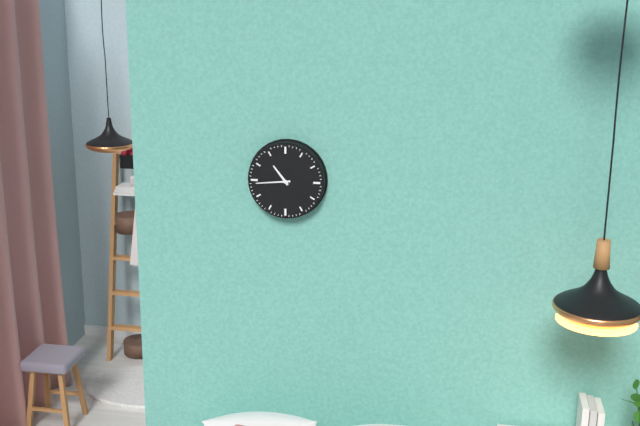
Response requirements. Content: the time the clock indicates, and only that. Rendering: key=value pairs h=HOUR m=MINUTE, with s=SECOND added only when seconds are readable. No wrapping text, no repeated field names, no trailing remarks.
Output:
h=10 m=44
